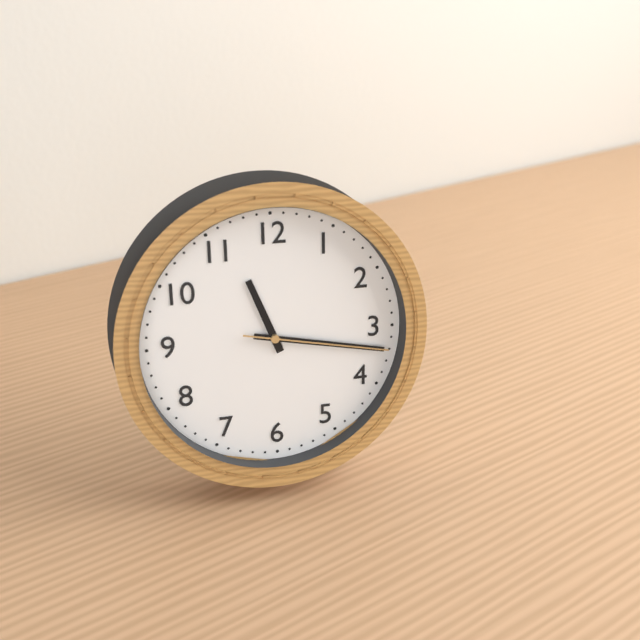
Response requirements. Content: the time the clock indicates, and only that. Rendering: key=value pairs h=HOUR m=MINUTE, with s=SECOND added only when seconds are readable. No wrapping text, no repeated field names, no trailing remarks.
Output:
h=11 m=17 s=17
